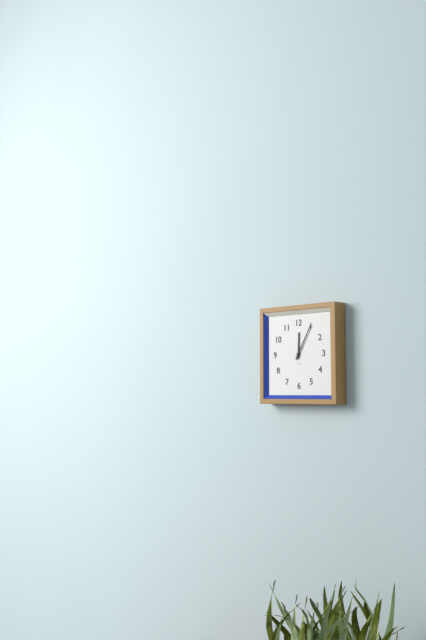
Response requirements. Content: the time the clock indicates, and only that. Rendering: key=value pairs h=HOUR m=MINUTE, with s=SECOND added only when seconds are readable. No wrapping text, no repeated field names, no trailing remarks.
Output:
h=12 m=5
